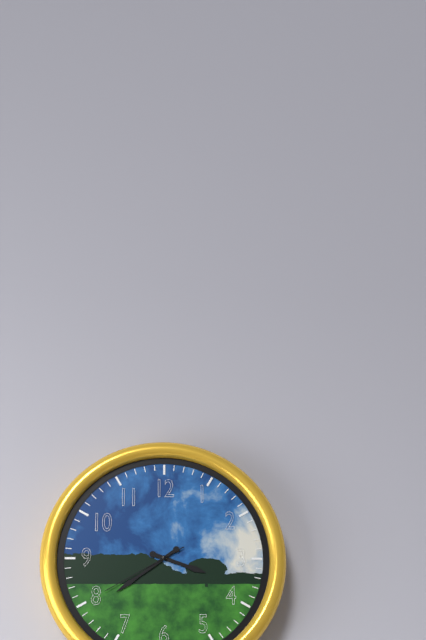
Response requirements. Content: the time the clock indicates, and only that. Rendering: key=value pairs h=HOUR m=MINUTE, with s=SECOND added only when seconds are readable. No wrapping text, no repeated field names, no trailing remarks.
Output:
h=3 m=39 s=40
